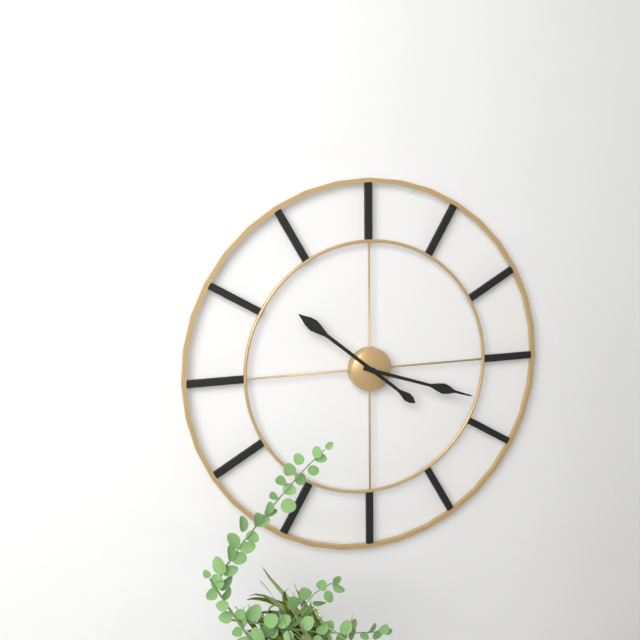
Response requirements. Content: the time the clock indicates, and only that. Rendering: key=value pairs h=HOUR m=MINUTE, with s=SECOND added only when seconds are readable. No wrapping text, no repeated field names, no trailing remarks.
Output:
h=10 m=18
